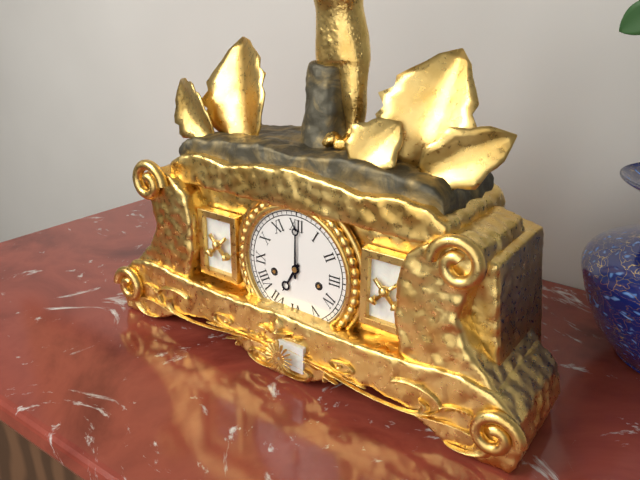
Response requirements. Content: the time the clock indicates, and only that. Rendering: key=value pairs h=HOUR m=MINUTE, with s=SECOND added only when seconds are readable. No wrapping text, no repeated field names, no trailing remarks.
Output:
h=7 m=0
